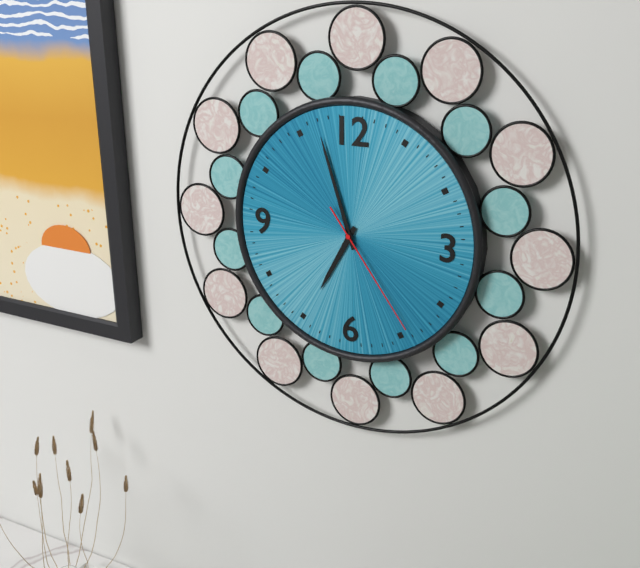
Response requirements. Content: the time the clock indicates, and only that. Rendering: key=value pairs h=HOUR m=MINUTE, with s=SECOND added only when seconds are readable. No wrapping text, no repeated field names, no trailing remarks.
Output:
h=6 m=57 s=24
